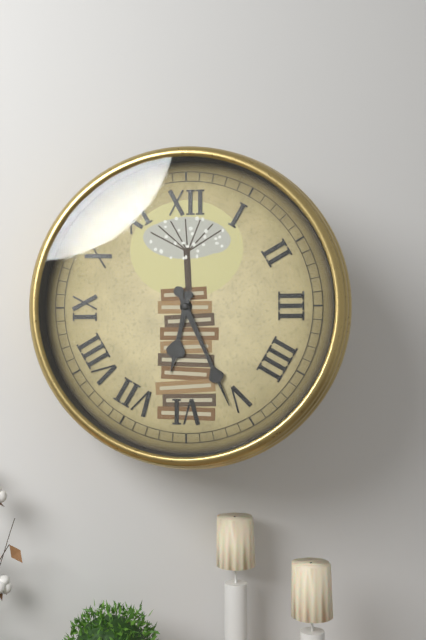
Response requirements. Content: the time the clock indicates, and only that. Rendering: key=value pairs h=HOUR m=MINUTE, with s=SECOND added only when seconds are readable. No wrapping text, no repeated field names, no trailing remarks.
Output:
h=6 m=26
